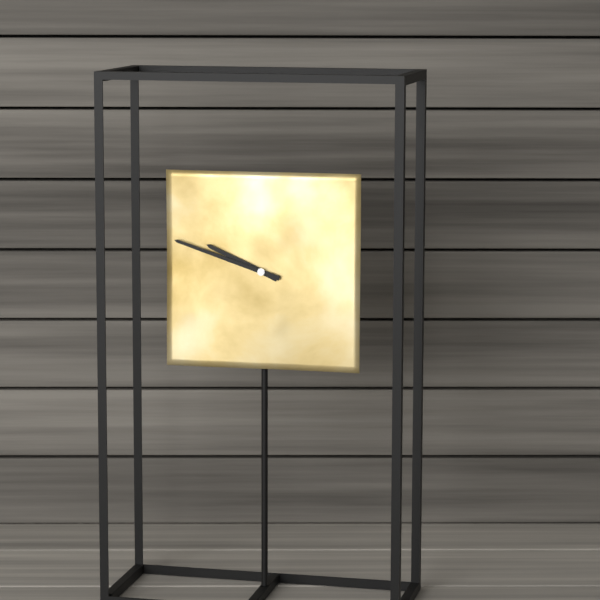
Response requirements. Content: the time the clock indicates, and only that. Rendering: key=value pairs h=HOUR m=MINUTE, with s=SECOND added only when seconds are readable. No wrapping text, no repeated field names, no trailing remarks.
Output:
h=9 m=48
